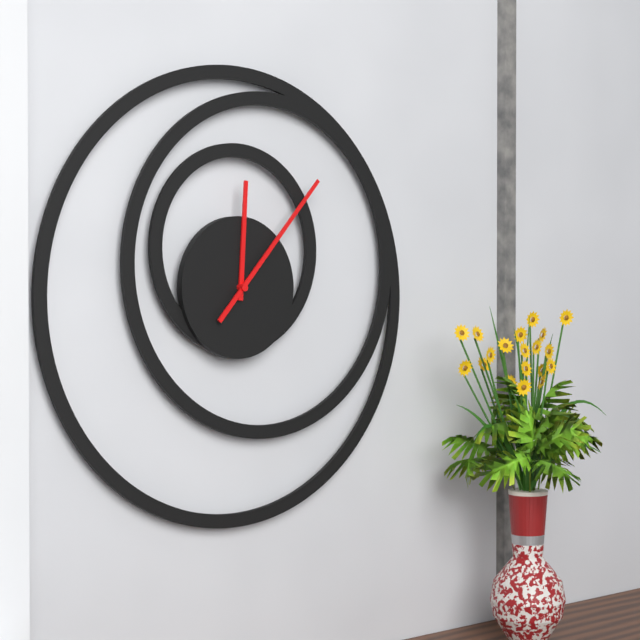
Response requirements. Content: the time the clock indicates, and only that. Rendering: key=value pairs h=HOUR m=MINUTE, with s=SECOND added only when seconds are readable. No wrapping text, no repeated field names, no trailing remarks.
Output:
h=12 m=7
